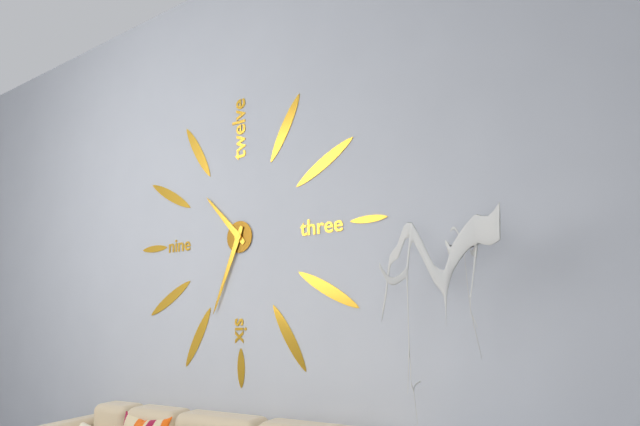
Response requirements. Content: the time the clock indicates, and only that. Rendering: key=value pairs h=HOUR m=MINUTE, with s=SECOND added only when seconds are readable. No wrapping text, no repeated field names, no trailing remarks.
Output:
h=10 m=34
